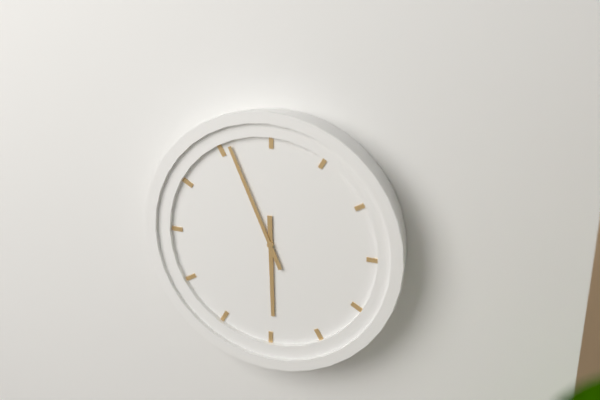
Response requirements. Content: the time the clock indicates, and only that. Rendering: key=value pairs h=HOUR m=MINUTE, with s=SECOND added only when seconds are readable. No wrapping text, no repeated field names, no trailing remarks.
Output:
h=5 m=56
